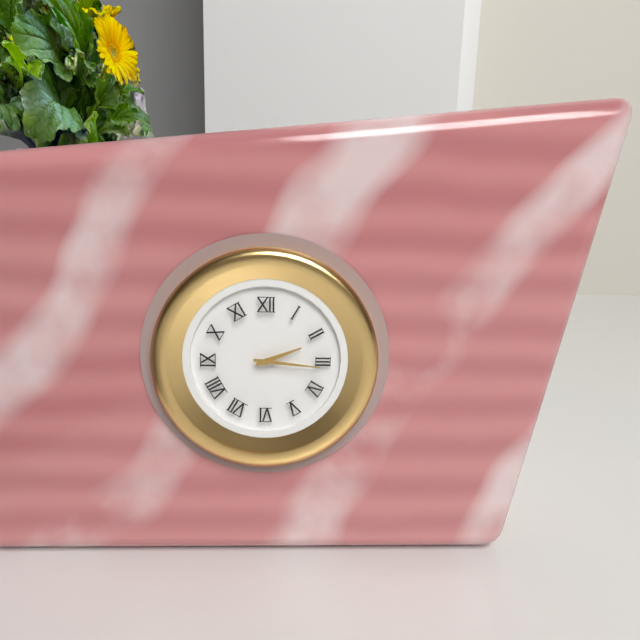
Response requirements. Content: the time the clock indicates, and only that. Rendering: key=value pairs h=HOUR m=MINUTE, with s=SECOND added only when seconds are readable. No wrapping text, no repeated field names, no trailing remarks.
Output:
h=2 m=16
